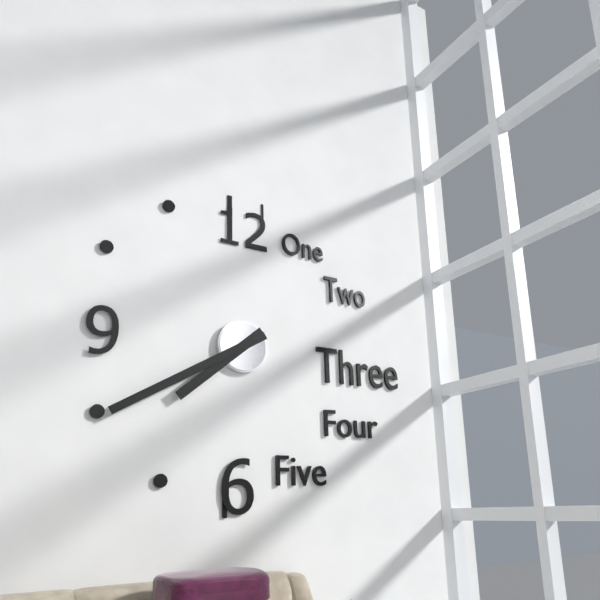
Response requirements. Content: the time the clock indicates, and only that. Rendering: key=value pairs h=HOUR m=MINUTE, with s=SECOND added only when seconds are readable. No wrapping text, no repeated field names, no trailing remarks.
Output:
h=7 m=40
